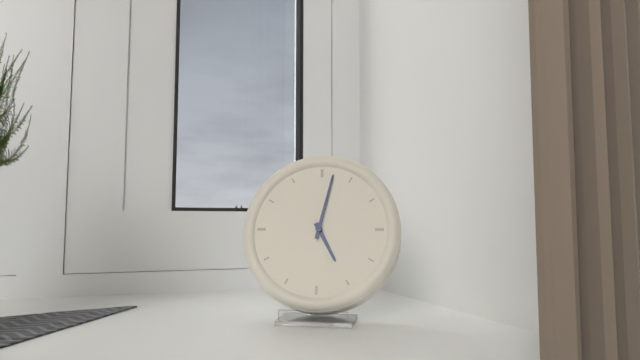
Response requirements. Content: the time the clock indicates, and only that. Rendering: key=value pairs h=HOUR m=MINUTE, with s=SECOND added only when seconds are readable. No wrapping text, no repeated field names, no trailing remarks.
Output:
h=5 m=2
